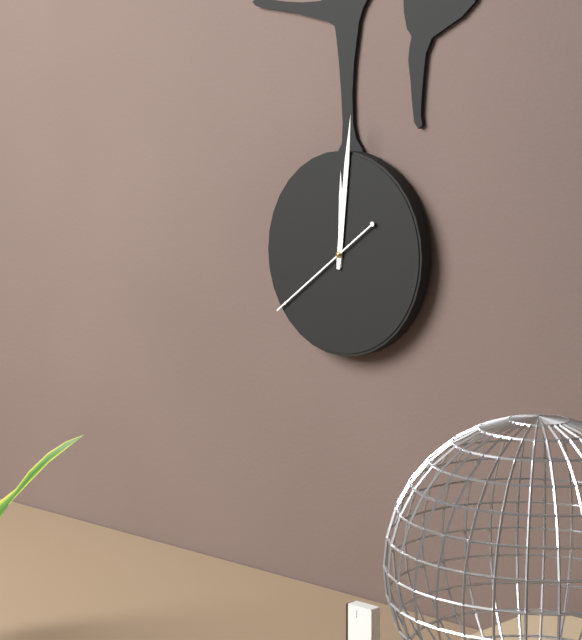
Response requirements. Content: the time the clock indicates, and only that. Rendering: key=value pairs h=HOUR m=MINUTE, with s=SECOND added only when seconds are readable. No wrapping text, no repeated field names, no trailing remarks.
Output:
h=12 m=1 s=39
